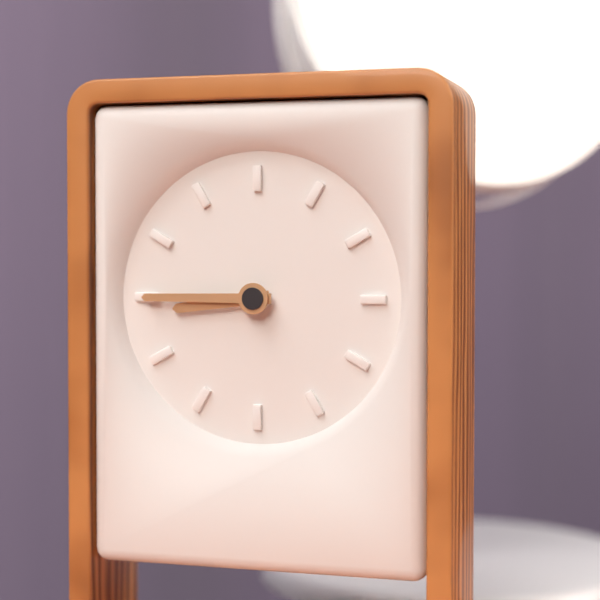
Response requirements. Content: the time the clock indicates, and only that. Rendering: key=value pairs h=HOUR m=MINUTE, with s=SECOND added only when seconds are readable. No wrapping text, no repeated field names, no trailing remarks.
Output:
h=8 m=45
